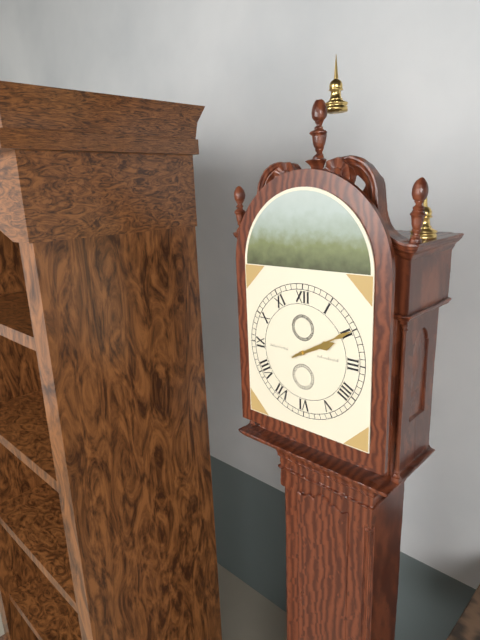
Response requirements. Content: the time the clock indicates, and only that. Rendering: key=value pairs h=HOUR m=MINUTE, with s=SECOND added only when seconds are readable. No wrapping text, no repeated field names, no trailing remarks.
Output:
h=2 m=10
